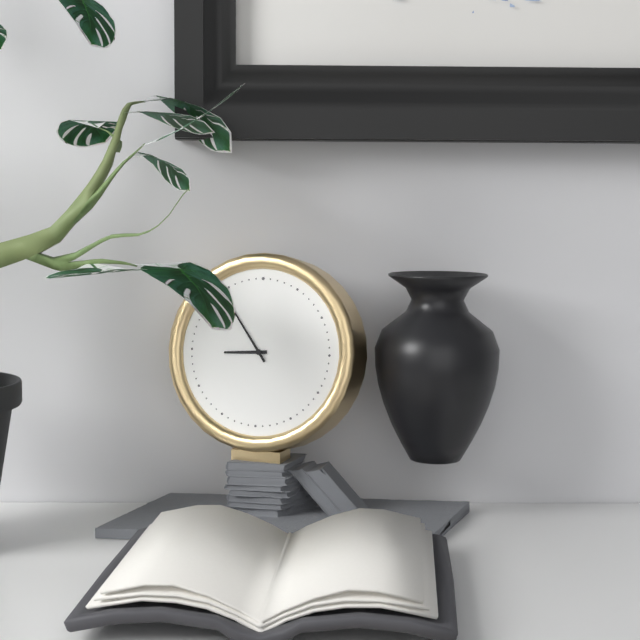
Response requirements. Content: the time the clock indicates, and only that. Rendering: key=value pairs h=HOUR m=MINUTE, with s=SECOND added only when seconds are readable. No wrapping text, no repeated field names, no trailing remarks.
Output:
h=8 m=54
